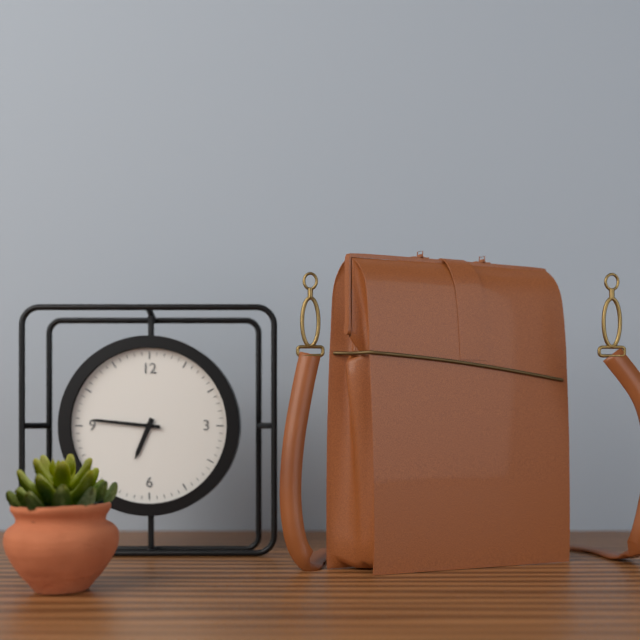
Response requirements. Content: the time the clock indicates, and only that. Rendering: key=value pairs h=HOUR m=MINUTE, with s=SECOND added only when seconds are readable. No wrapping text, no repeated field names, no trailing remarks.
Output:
h=6 m=46
